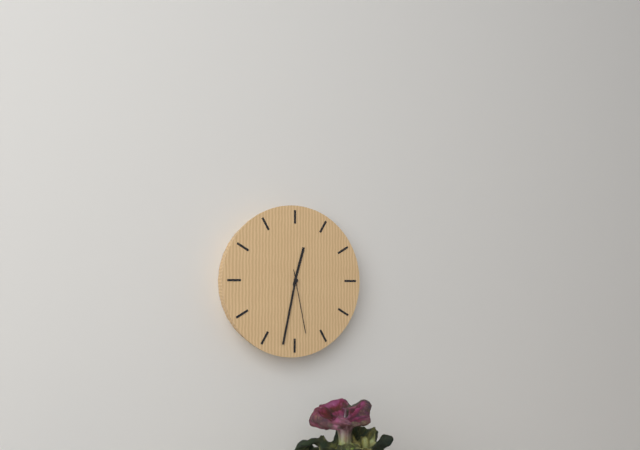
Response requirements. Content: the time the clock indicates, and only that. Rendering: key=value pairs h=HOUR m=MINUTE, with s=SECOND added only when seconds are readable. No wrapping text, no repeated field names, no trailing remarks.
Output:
h=12 m=32 s=28
